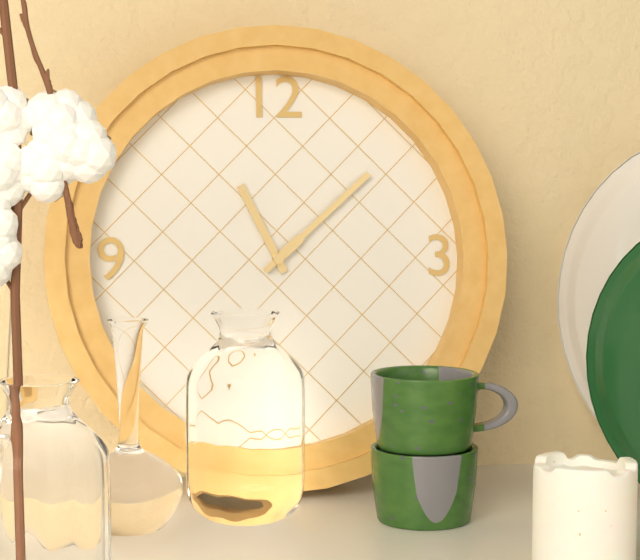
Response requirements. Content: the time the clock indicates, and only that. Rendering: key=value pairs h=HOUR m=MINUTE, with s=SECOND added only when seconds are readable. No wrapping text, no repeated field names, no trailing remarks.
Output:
h=11 m=8
